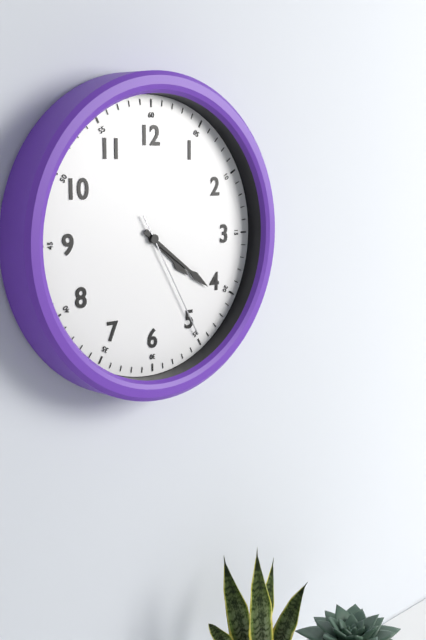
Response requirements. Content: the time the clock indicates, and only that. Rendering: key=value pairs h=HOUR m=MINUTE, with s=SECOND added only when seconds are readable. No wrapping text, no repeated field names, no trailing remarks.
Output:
h=4 m=21 s=25
